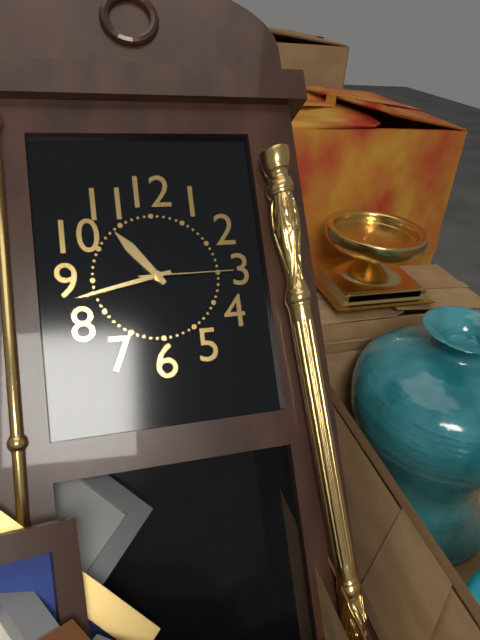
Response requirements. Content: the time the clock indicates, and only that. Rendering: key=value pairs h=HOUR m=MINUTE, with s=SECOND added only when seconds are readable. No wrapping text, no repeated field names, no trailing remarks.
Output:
h=10 m=43 s=15
